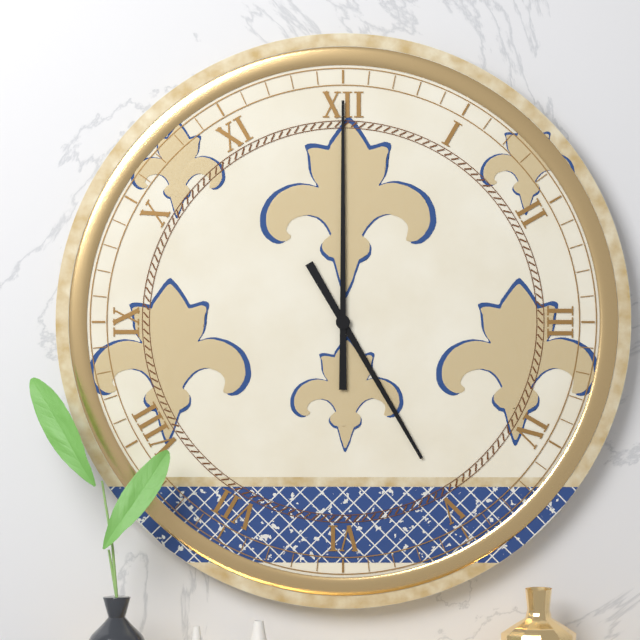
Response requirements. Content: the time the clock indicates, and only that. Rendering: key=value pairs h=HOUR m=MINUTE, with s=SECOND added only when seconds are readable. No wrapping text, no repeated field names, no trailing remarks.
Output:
h=5 m=0
